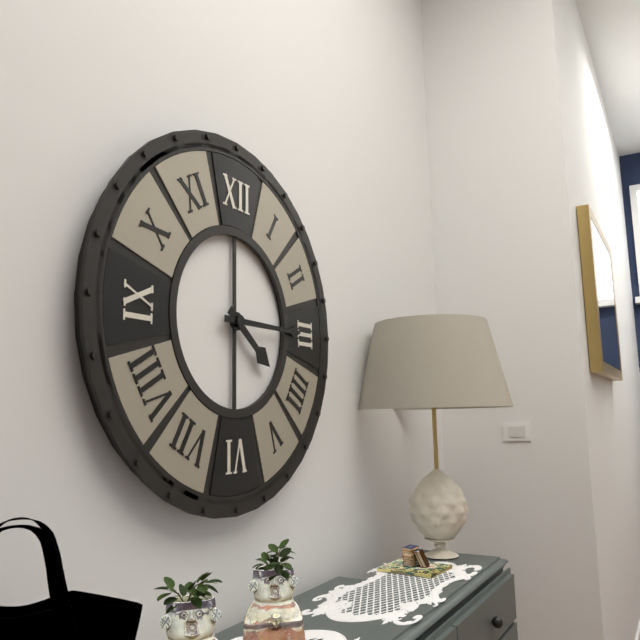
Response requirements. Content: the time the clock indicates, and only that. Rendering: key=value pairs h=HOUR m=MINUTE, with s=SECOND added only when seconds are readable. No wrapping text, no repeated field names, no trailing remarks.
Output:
h=4 m=15
